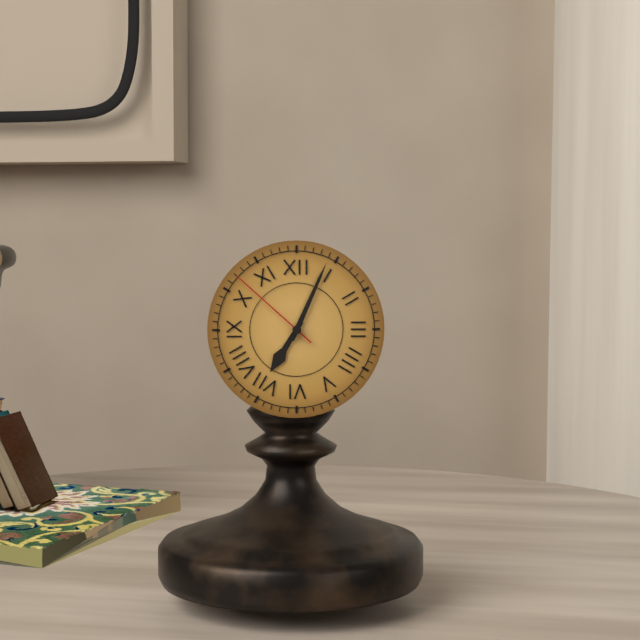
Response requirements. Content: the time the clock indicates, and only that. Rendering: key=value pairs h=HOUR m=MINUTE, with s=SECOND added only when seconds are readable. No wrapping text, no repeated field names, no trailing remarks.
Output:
h=7 m=4 s=52
